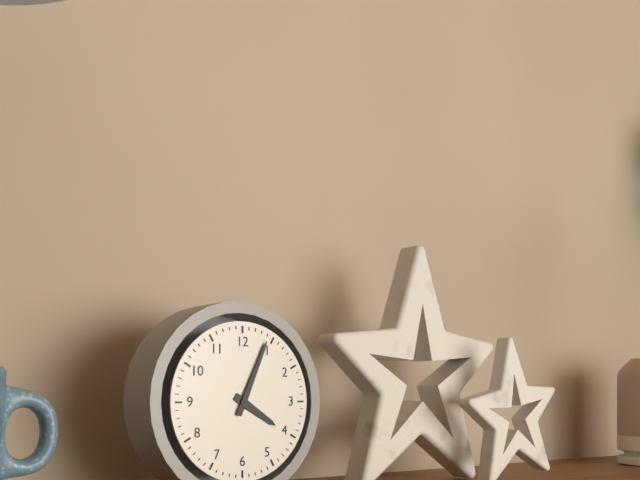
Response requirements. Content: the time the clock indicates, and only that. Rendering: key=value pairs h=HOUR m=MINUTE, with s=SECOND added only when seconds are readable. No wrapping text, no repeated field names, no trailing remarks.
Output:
h=4 m=4
